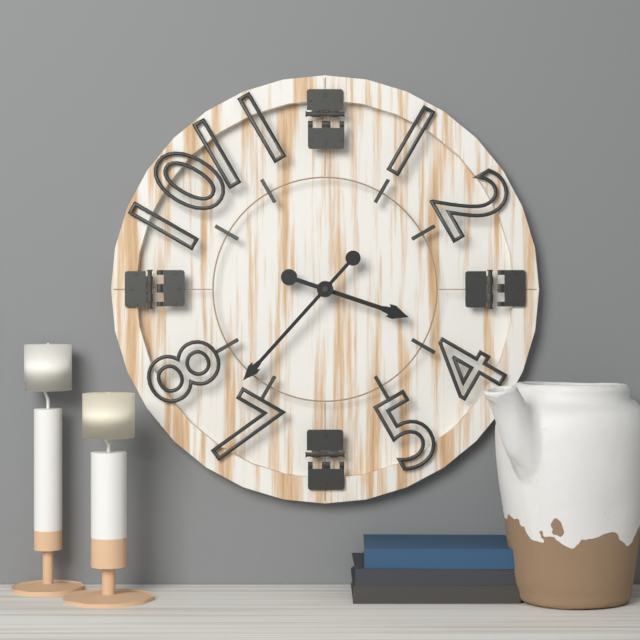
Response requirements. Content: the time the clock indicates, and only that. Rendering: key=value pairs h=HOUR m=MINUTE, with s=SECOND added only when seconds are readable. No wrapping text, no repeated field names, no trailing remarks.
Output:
h=3 m=37
